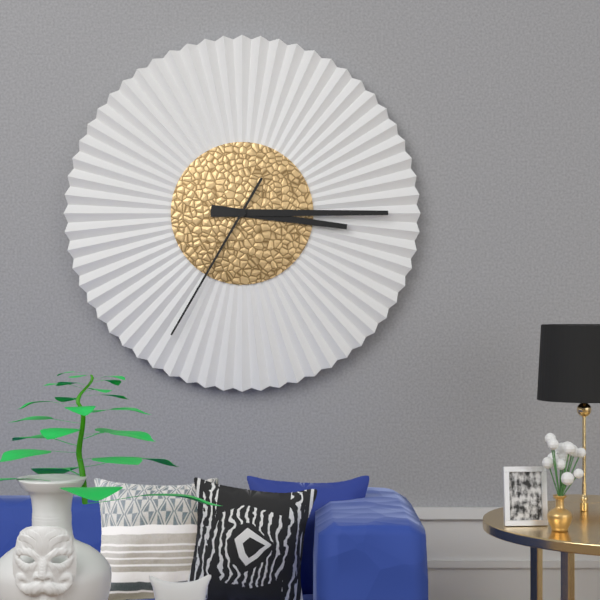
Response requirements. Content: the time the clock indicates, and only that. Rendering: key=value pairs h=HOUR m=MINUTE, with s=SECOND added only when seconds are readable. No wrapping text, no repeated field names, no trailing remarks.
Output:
h=3 m=15 s=35
